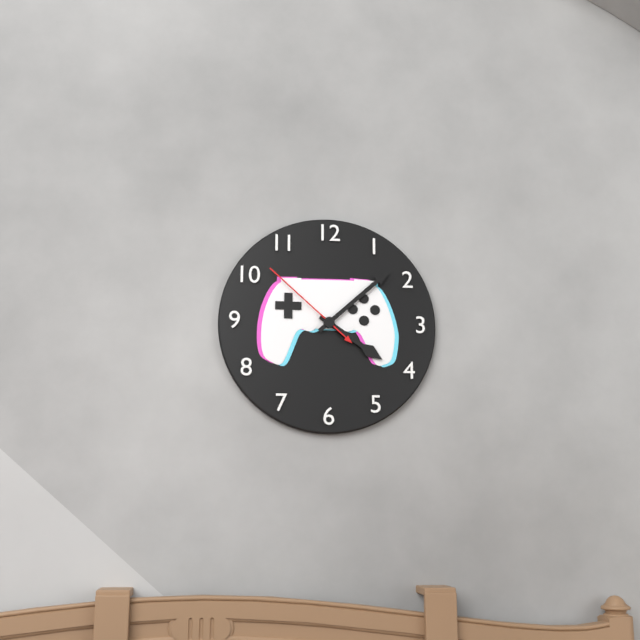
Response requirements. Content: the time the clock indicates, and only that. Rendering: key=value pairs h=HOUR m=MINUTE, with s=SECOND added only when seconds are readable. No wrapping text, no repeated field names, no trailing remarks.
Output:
h=4 m=8 s=52
